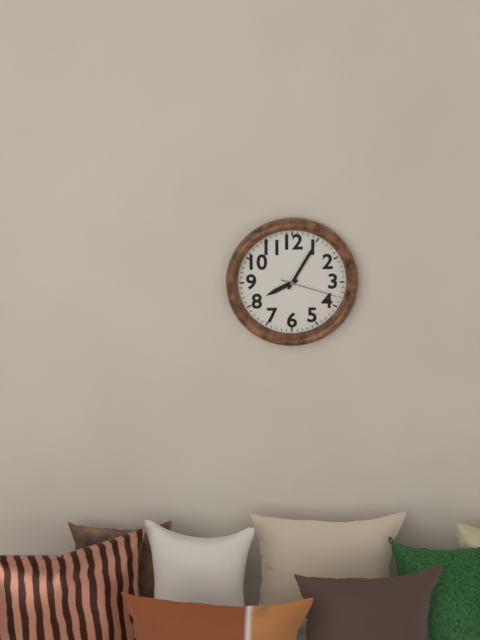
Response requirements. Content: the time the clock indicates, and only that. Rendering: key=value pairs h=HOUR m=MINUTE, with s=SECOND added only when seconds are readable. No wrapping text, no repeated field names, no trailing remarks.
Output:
h=8 m=5 s=18
